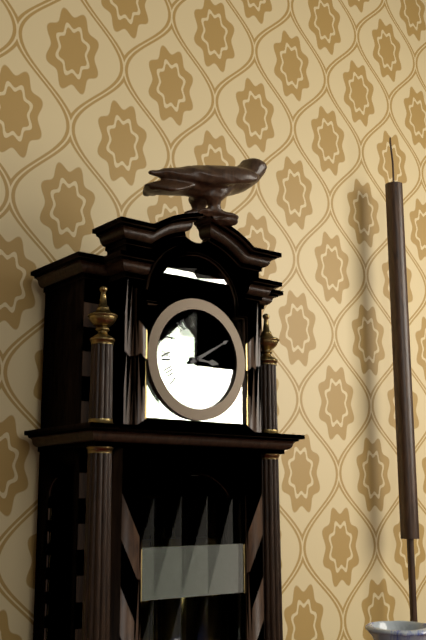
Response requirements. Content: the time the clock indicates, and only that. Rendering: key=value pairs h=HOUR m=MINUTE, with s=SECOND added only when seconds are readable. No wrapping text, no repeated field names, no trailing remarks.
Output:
h=3 m=10
